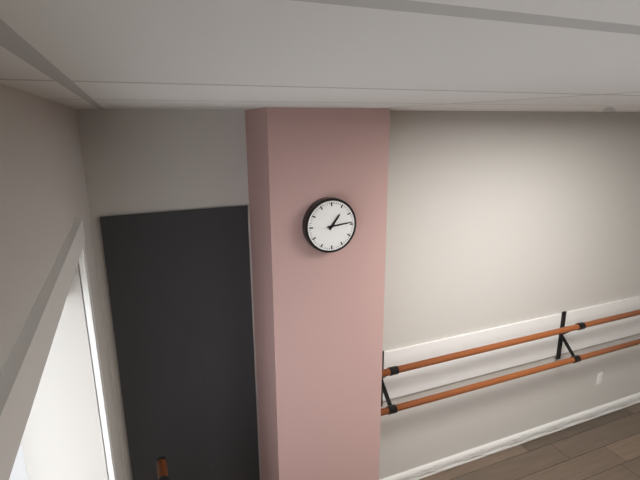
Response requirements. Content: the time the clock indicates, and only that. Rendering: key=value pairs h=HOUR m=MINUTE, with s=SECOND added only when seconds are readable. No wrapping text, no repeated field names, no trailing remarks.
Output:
h=1 m=14
